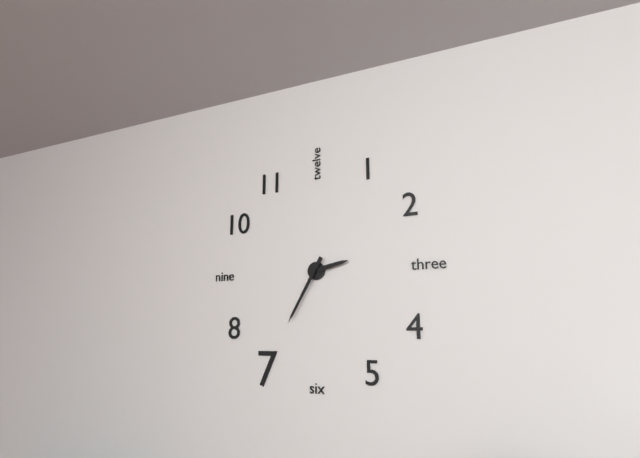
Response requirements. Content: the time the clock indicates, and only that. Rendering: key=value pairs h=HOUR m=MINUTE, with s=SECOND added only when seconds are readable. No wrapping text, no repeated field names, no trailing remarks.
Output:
h=2 m=35
